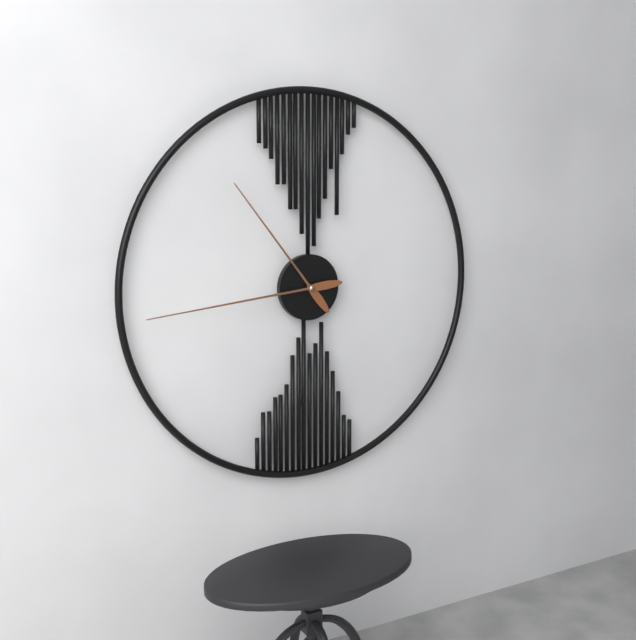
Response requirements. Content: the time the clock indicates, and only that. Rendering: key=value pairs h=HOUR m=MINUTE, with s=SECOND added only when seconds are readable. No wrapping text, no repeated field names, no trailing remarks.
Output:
h=10 m=44
